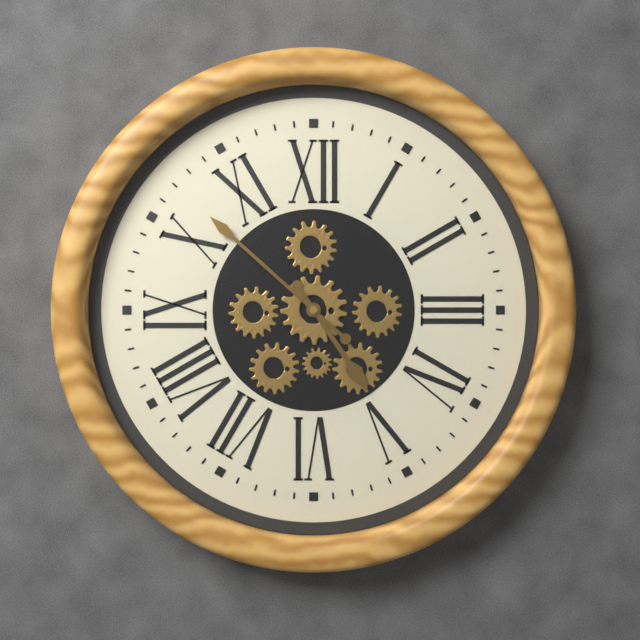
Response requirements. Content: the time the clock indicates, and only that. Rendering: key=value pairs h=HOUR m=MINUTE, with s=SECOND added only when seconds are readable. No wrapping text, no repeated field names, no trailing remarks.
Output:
h=4 m=52
